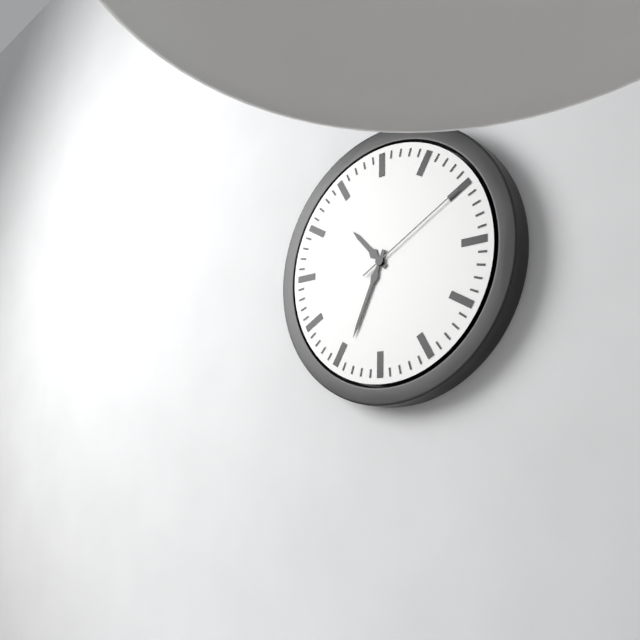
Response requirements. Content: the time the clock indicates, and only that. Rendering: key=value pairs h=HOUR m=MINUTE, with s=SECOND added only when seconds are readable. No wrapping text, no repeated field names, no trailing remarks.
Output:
h=10 m=34 s=10
